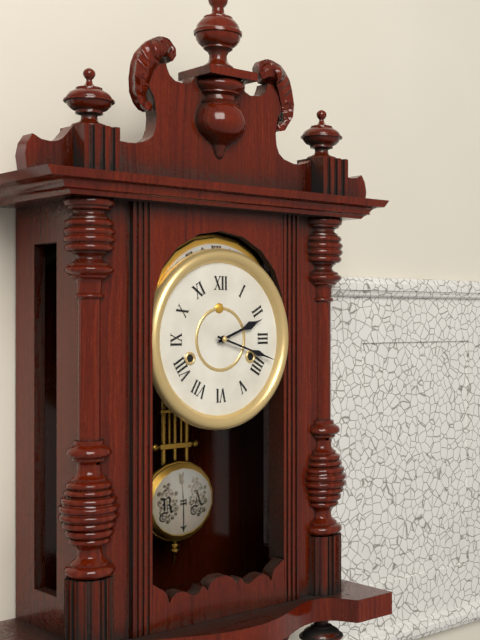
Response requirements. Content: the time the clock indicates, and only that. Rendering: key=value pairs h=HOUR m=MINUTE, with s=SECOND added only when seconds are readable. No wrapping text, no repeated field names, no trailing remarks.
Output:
h=2 m=18
